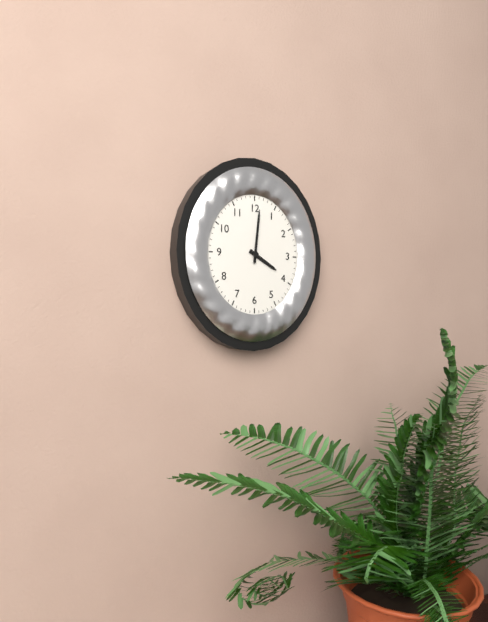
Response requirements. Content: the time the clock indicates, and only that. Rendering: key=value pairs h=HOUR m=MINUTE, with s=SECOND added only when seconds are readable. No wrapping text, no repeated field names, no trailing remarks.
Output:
h=4 m=1
